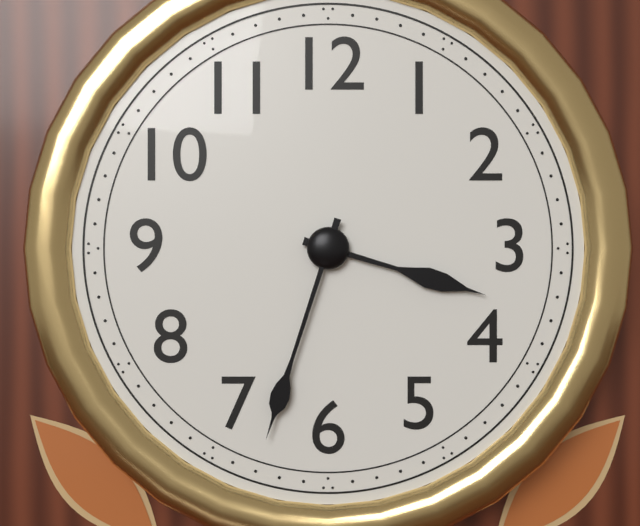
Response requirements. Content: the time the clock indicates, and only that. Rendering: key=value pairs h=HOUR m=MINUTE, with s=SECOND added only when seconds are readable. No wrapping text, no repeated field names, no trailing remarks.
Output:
h=3 m=33
